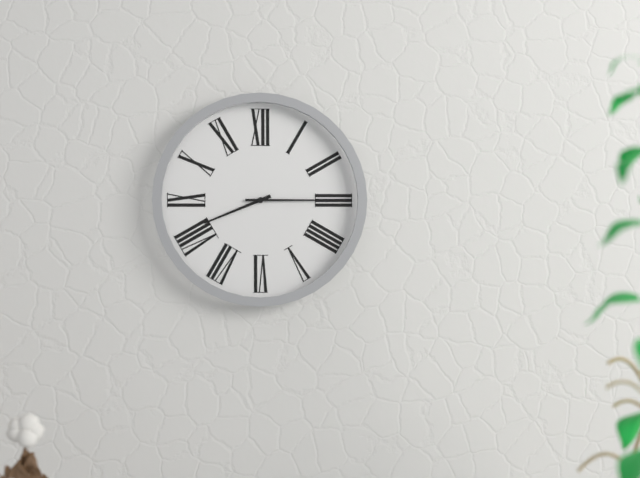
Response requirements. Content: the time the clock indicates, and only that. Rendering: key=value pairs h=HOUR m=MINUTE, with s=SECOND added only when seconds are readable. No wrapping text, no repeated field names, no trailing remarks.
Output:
h=8 m=15
